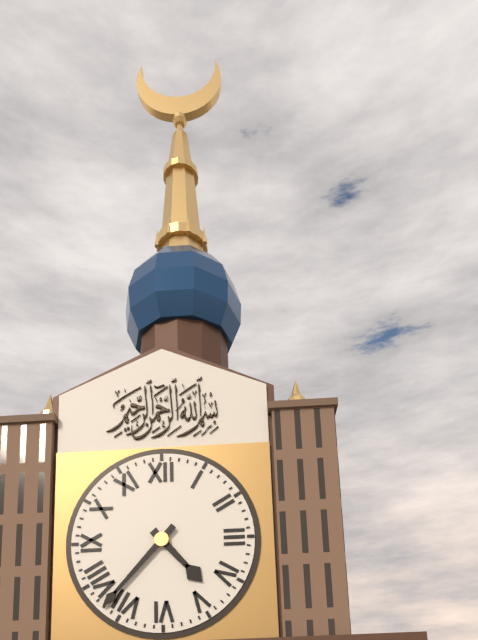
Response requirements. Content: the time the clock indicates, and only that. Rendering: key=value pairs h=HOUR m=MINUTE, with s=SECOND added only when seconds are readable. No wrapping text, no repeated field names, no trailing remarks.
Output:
h=4 m=37
